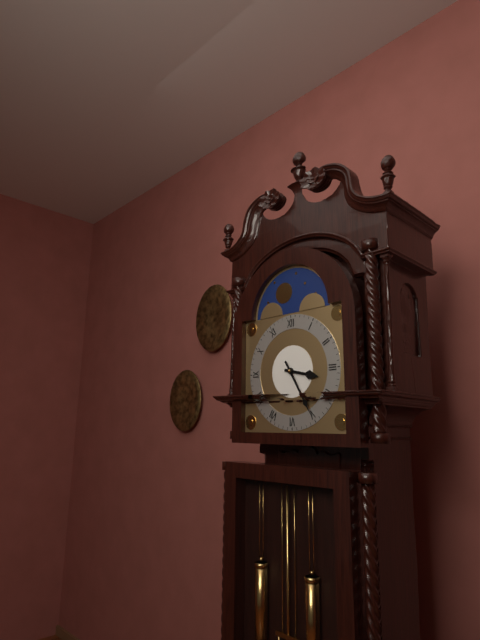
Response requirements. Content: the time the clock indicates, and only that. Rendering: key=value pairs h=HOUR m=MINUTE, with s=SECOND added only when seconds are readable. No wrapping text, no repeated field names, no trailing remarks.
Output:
h=3 m=25
